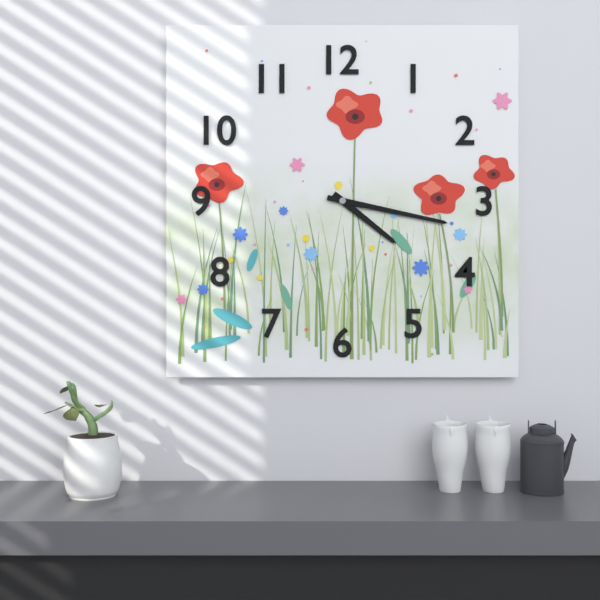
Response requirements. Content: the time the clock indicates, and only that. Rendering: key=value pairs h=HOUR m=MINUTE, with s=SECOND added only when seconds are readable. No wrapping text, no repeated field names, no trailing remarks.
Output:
h=4 m=17
